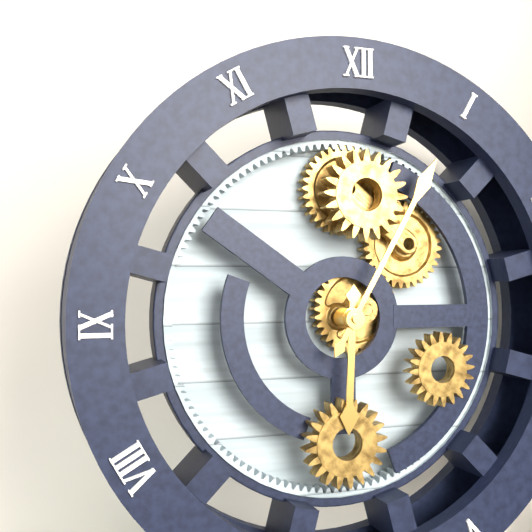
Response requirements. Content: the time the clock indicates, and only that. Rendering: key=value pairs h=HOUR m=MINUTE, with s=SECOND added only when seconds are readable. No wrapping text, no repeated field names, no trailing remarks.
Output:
h=6 m=5
